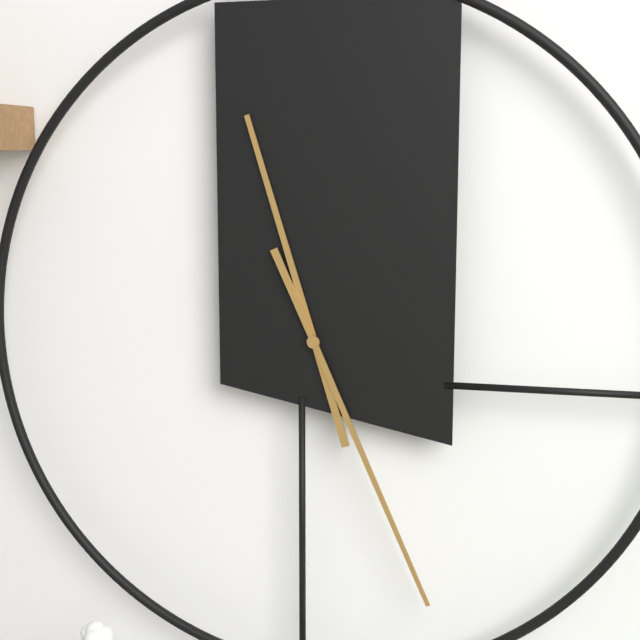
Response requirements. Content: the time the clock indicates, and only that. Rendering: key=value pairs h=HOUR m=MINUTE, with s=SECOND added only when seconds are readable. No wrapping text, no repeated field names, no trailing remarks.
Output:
h=11 m=26
